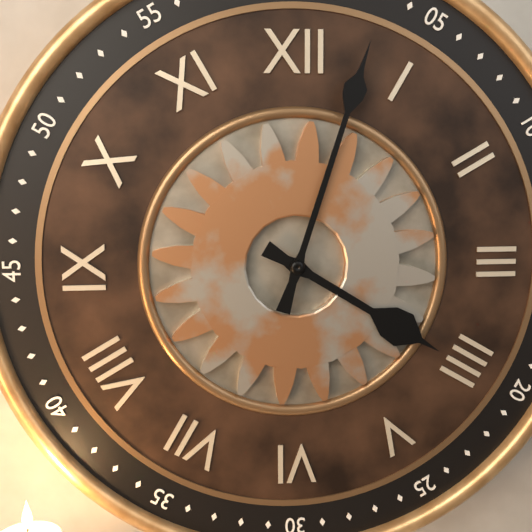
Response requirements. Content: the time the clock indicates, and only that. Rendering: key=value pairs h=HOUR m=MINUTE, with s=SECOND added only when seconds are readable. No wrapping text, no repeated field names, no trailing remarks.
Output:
h=4 m=3
